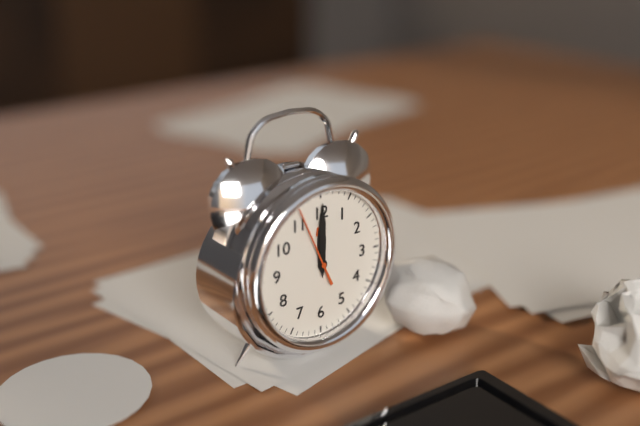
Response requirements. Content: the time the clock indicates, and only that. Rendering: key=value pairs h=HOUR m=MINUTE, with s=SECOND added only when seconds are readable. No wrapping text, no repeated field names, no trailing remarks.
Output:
h=12 m=0 s=56
